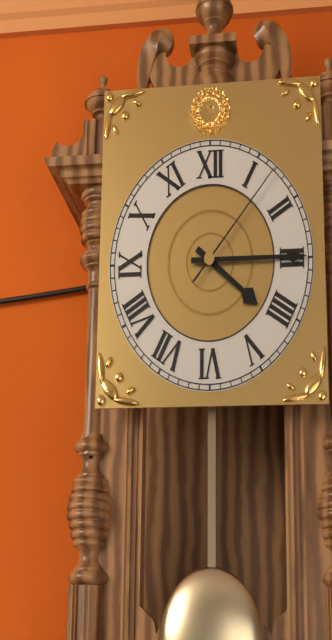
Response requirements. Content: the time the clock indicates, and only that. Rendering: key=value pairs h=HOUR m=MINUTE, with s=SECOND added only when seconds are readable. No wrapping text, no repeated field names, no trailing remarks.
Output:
h=4 m=15 s=7
